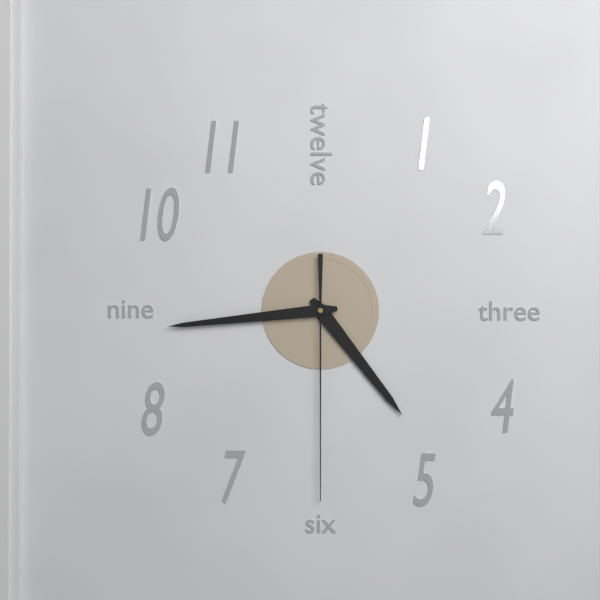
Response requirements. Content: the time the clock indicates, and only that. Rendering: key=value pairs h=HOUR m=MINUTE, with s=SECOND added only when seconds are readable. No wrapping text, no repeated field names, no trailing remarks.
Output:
h=4 m=44 s=30
